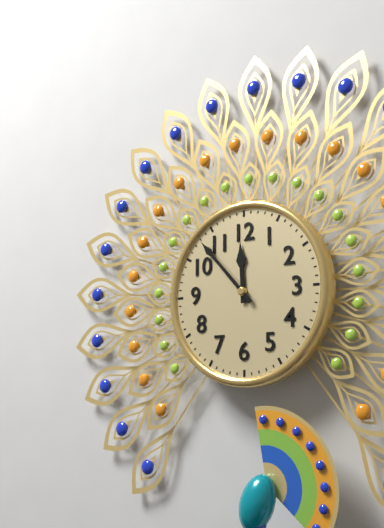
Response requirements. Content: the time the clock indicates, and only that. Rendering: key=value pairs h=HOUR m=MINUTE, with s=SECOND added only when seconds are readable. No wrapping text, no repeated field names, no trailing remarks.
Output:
h=11 m=53
